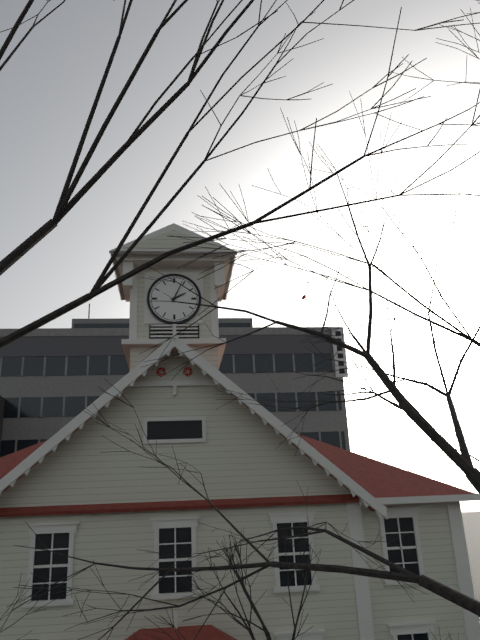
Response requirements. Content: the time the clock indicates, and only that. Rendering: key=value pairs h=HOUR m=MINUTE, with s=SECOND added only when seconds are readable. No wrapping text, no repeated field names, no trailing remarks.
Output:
h=2 m=4
